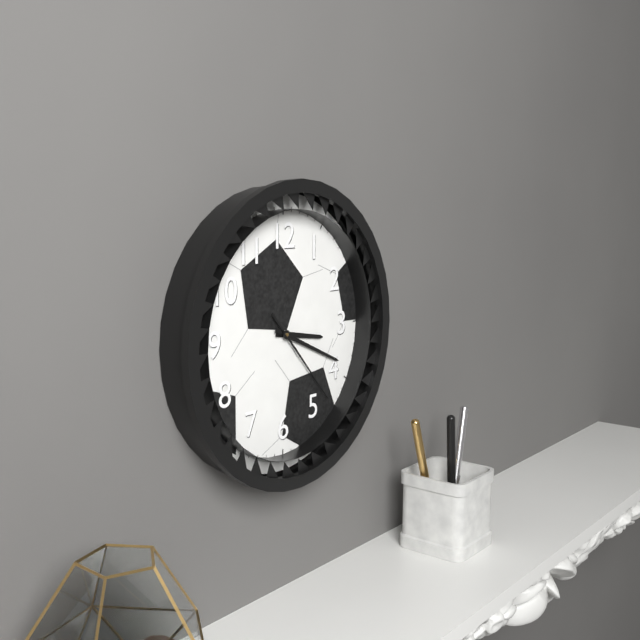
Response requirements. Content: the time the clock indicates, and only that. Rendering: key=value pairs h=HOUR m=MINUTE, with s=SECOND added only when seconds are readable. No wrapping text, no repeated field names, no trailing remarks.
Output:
h=3 m=19 s=23
